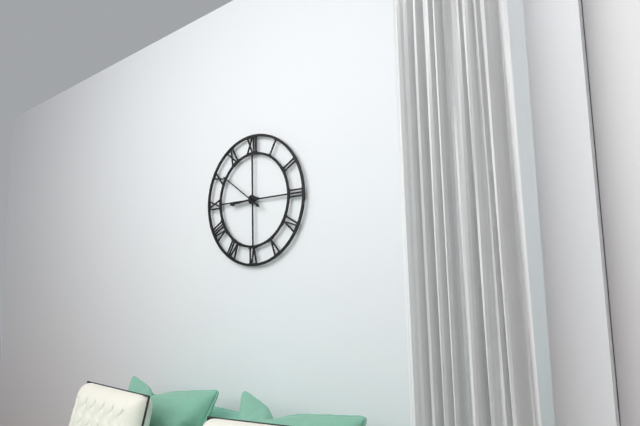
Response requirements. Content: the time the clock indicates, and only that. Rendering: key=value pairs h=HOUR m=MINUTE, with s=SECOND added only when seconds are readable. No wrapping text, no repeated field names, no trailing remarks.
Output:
h=8 m=51
